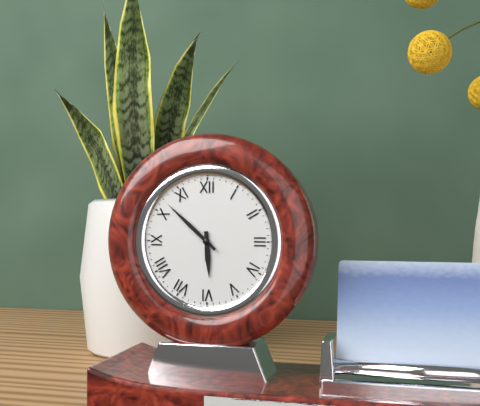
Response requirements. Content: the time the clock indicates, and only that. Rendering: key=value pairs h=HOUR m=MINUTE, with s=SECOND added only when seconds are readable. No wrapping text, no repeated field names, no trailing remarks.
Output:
h=5 m=52
